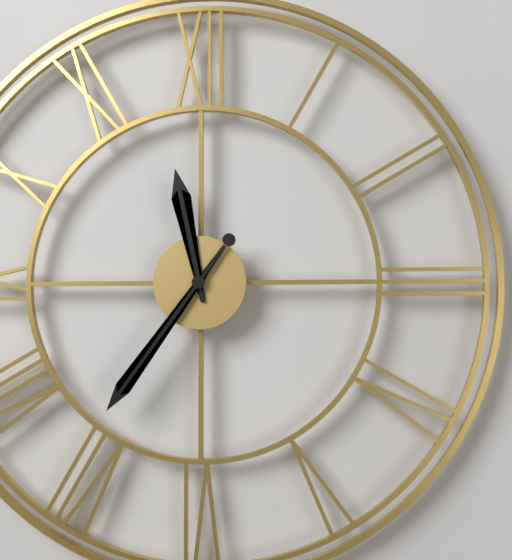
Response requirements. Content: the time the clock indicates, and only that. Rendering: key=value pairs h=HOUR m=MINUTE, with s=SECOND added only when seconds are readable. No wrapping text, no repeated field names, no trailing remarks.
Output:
h=11 m=36
